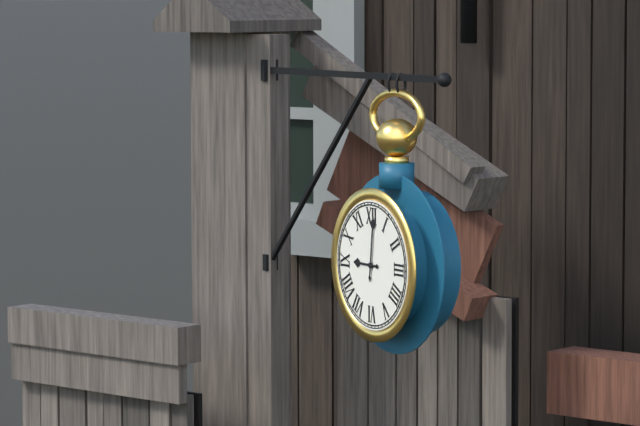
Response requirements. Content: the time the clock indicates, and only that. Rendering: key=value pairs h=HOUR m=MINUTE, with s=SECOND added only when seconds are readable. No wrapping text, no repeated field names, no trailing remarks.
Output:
h=9 m=1
